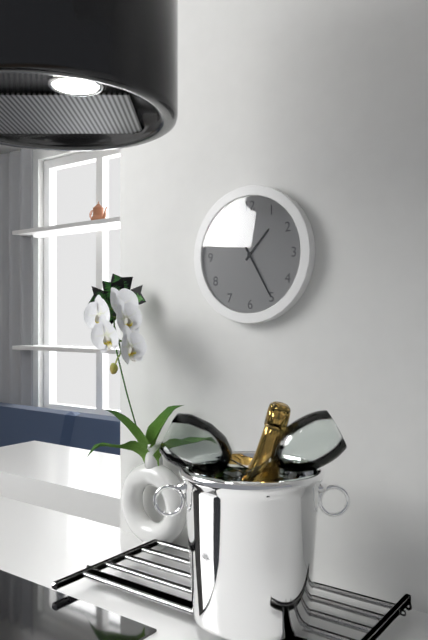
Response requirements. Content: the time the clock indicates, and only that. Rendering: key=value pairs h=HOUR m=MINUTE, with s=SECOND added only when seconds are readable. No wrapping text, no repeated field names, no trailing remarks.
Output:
h=1 m=25
